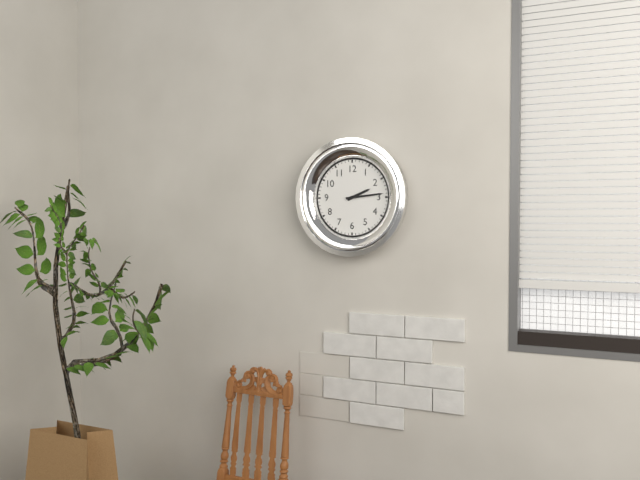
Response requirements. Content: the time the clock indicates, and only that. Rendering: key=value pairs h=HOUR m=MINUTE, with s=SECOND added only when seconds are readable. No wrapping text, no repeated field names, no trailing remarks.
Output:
h=2 m=14
